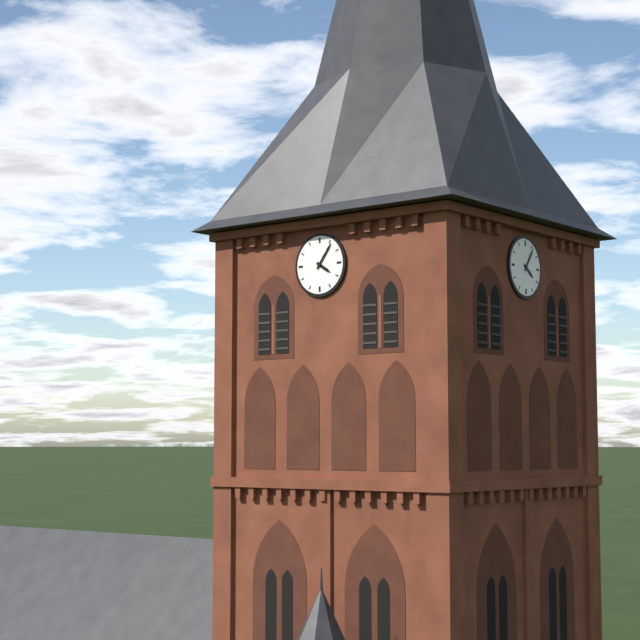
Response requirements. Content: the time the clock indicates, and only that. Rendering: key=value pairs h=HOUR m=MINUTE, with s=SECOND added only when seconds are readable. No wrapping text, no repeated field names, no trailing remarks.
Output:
h=4 m=6
